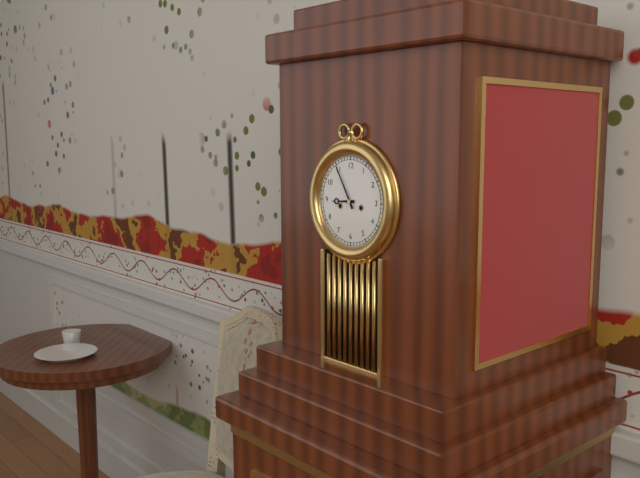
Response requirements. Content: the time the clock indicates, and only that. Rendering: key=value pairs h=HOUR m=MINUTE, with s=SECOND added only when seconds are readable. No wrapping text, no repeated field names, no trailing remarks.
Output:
h=8 m=55
